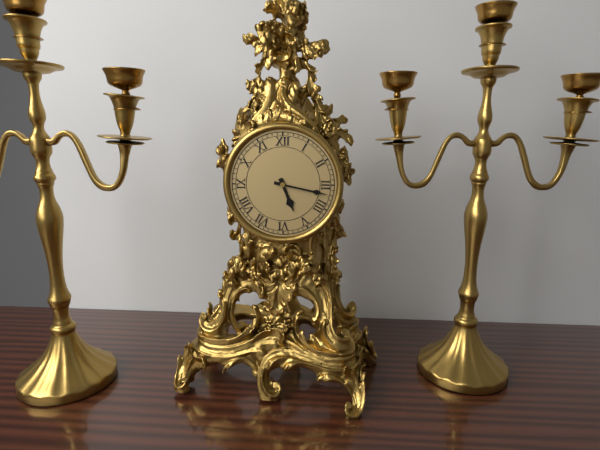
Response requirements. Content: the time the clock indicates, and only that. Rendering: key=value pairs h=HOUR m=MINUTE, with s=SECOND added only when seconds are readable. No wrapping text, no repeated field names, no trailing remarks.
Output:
h=5 m=17
